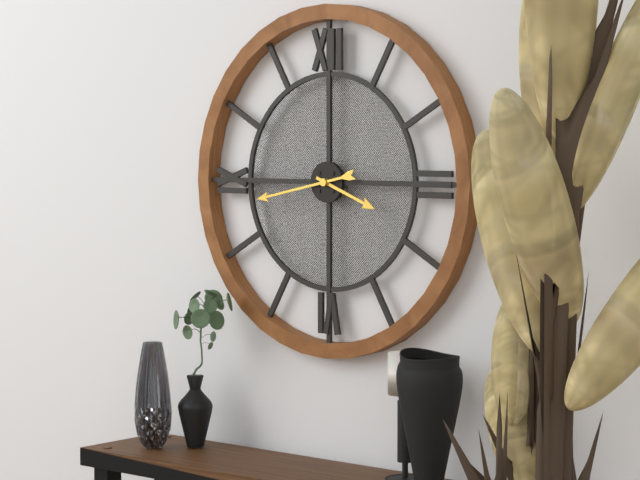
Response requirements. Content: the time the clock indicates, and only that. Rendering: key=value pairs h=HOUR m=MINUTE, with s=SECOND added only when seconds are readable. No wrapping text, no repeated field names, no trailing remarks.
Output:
h=3 m=43
